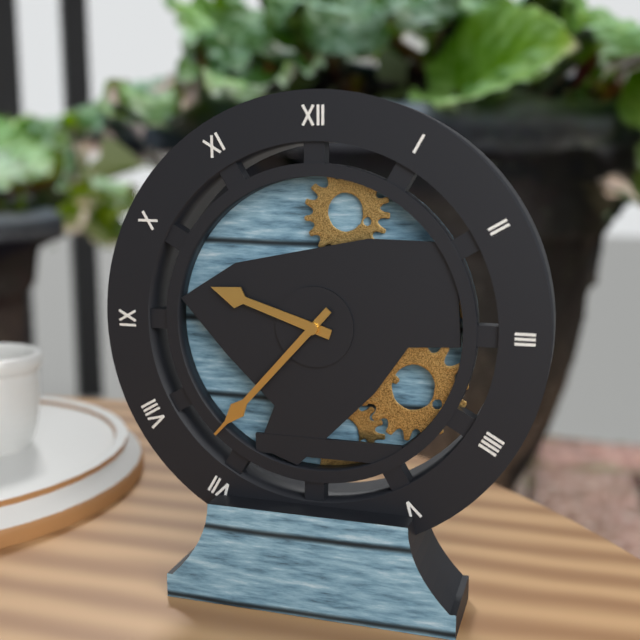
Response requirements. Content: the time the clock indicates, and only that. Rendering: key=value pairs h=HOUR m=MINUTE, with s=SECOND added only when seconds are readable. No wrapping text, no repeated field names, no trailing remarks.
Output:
h=9 m=37
